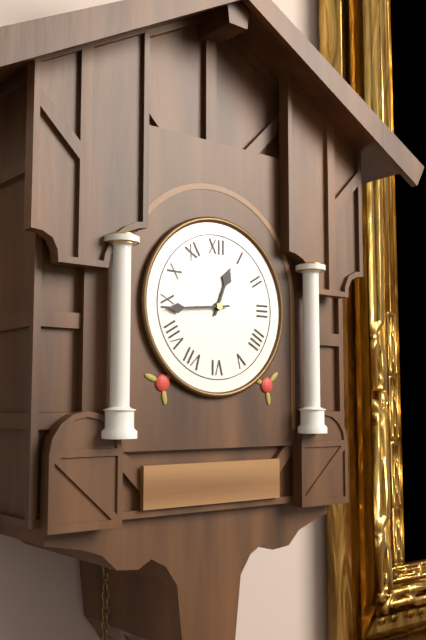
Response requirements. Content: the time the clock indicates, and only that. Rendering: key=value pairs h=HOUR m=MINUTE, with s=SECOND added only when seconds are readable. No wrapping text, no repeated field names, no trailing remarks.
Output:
h=12 m=44
